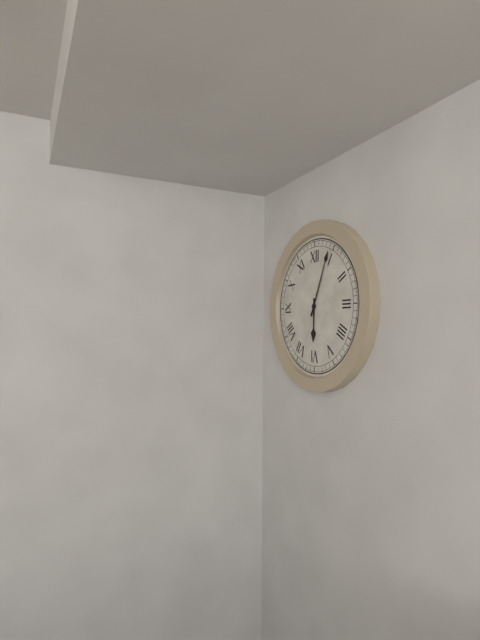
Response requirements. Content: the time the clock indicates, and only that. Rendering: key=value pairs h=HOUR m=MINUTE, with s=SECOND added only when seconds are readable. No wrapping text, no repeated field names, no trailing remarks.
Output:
h=6 m=4
